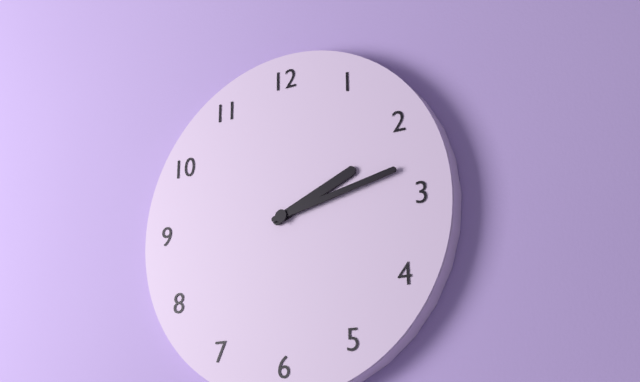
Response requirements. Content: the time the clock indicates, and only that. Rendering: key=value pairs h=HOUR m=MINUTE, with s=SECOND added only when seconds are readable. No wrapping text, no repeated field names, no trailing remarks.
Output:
h=2 m=13
